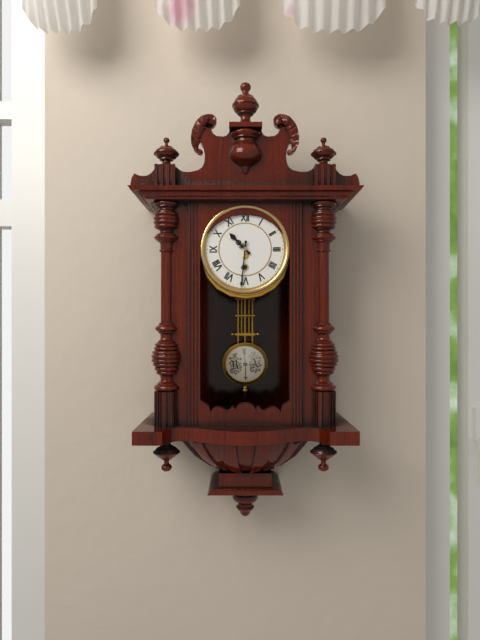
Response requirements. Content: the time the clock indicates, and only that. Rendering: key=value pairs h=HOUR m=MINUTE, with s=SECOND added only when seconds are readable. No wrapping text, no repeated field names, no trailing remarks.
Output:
h=10 m=31
